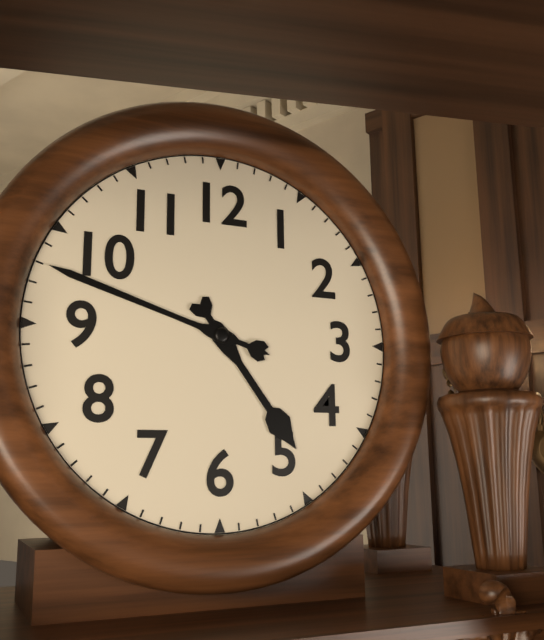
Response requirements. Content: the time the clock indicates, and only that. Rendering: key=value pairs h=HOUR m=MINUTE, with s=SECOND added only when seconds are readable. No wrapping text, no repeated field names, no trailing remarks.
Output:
h=4 m=48
